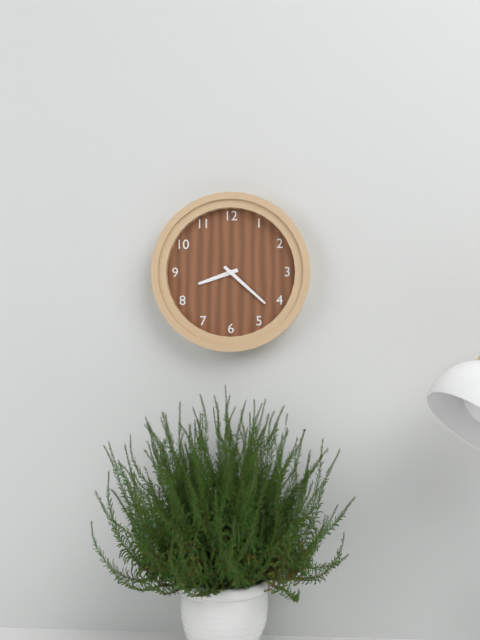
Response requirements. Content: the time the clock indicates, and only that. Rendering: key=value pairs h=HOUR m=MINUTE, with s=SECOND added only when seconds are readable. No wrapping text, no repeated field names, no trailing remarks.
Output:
h=8 m=22
